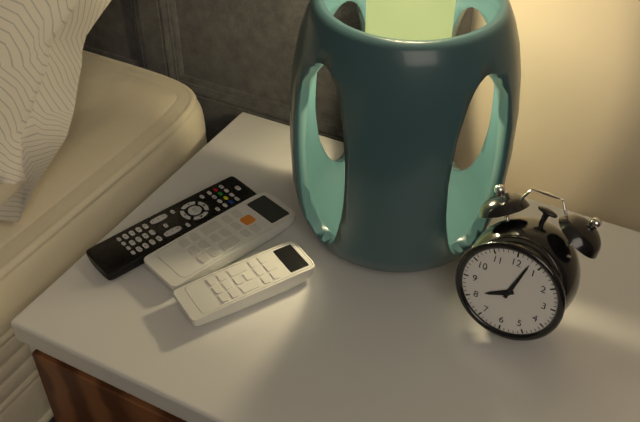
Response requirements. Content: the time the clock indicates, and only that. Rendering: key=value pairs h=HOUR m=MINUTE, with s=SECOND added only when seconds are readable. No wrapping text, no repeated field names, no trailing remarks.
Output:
h=8 m=3
